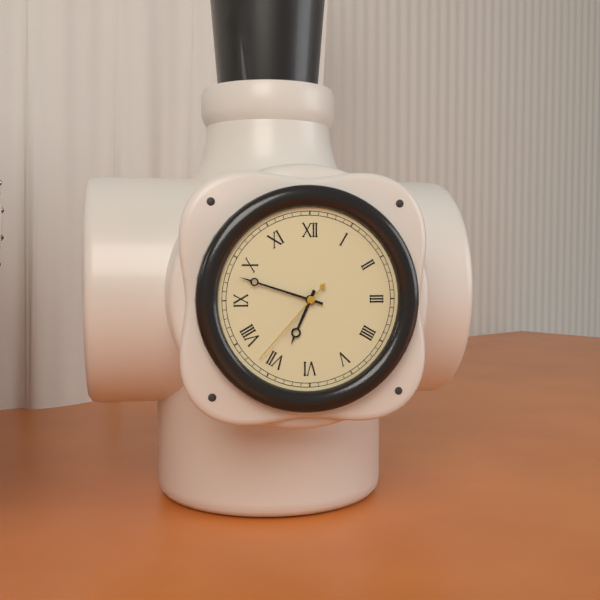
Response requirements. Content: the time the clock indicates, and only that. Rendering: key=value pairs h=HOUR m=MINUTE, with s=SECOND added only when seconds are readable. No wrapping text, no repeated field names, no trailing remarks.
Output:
h=6 m=48 s=37
